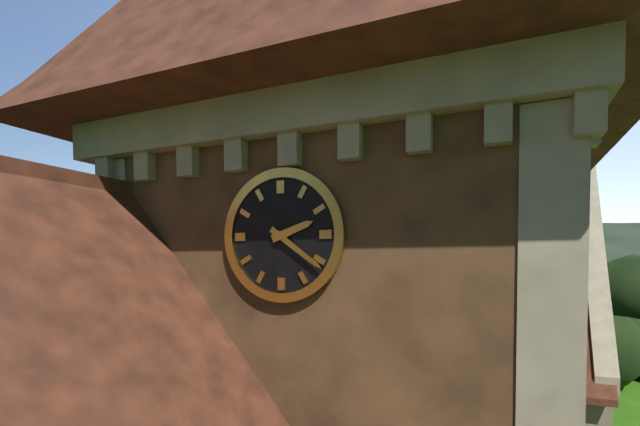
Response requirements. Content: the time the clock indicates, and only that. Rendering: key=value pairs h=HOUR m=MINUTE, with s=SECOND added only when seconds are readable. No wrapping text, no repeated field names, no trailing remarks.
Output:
h=2 m=21
